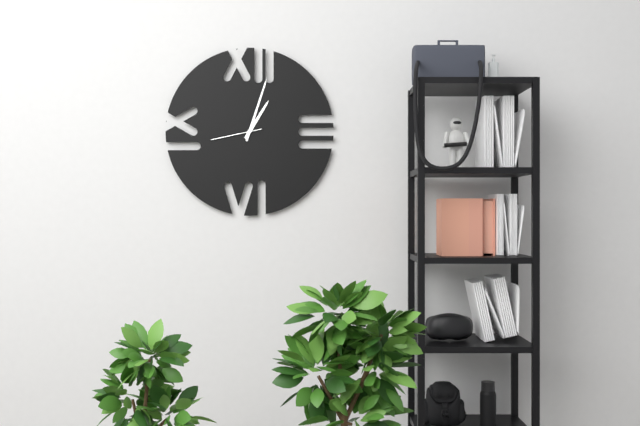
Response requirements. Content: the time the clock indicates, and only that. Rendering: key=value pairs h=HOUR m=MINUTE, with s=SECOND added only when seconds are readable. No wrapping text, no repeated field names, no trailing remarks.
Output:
h=1 m=3 s=43
